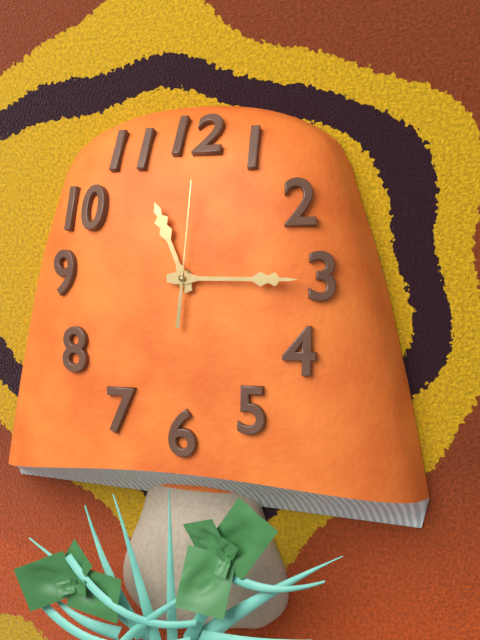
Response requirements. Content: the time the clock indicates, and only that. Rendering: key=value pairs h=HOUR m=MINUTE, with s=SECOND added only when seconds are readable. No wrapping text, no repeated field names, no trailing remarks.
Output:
h=11 m=15 s=1
